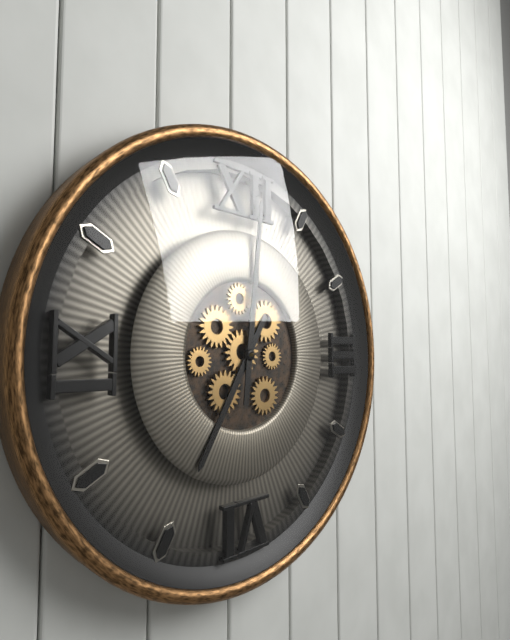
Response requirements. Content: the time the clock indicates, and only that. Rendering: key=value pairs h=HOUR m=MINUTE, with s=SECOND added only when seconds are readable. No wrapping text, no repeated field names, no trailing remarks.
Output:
h=7 m=1
